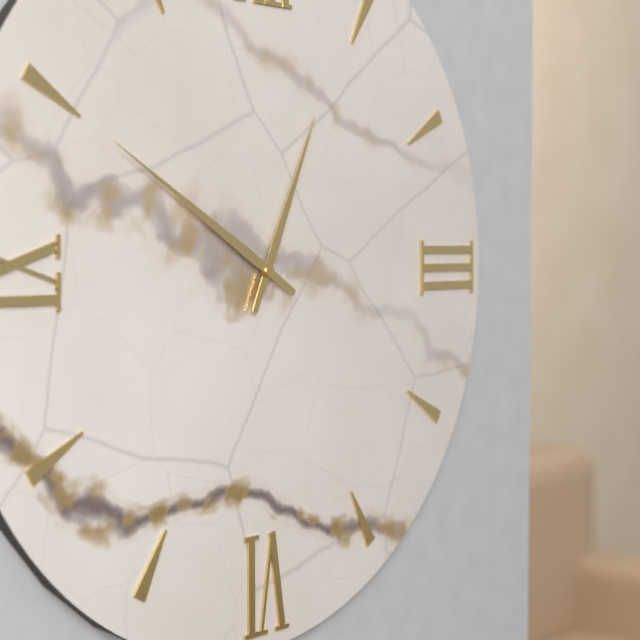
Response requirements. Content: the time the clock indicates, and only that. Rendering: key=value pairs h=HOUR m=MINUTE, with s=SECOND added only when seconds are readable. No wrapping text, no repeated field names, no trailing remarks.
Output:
h=12 m=50
